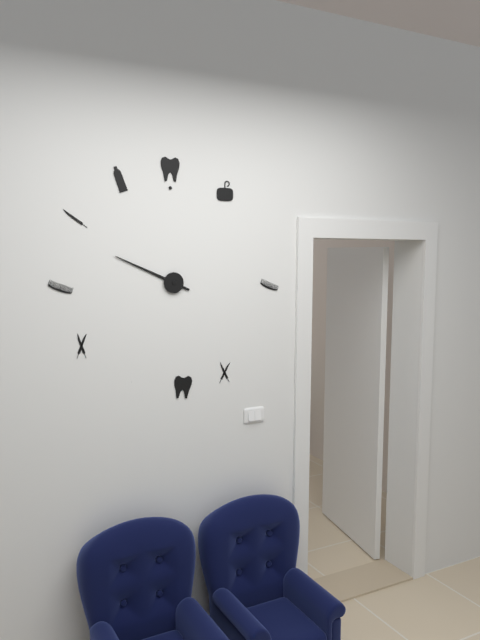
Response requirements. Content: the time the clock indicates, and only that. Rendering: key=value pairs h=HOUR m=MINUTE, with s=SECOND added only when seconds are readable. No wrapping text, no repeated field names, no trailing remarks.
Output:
h=9 m=49
